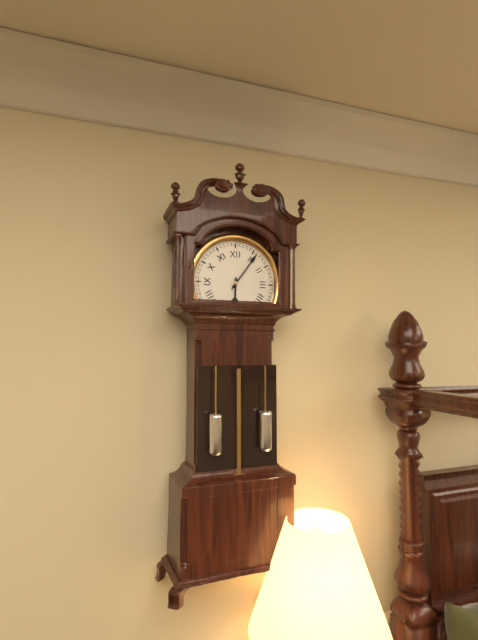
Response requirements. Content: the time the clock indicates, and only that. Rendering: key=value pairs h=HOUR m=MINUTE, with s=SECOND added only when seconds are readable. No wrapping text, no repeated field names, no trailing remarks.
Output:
h=6 m=6
